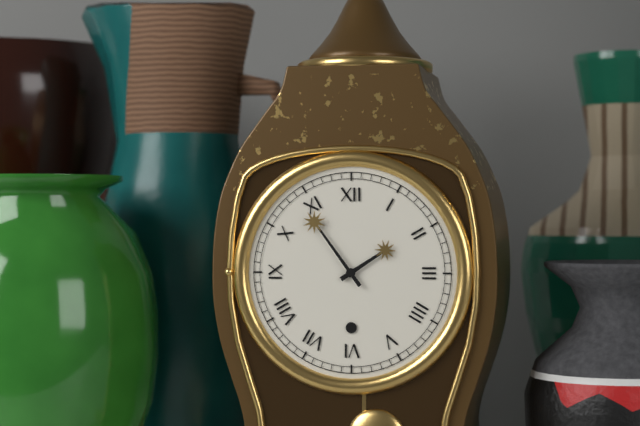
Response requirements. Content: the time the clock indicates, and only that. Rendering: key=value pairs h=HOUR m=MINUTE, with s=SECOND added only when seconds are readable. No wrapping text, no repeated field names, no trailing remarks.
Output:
h=1 m=54
